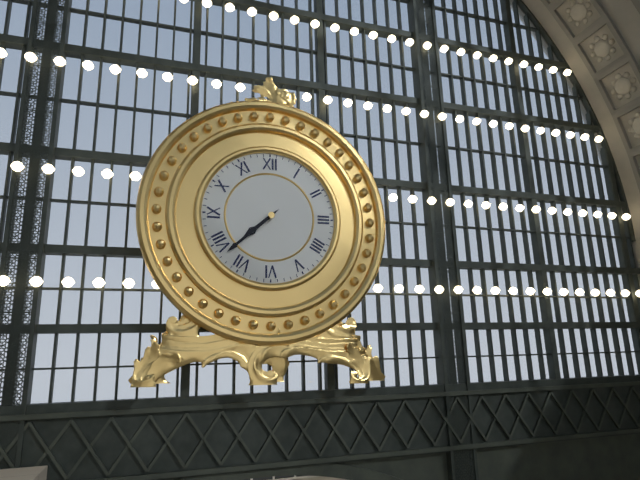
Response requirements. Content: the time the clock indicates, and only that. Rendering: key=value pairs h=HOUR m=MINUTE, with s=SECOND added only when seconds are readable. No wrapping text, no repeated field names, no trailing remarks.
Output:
h=7 m=38
